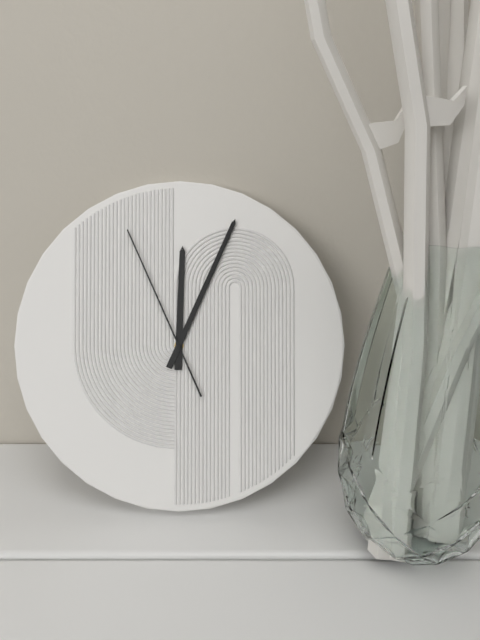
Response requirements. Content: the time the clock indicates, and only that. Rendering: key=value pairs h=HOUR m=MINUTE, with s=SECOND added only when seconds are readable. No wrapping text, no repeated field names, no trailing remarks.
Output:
h=12 m=4 s=56
